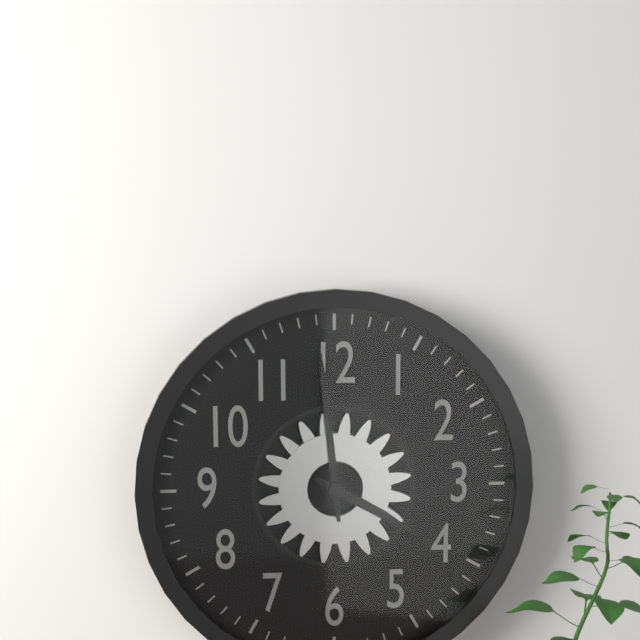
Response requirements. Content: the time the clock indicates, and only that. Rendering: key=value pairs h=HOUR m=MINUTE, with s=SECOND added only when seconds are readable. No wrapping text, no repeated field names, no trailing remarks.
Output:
h=3 m=59
